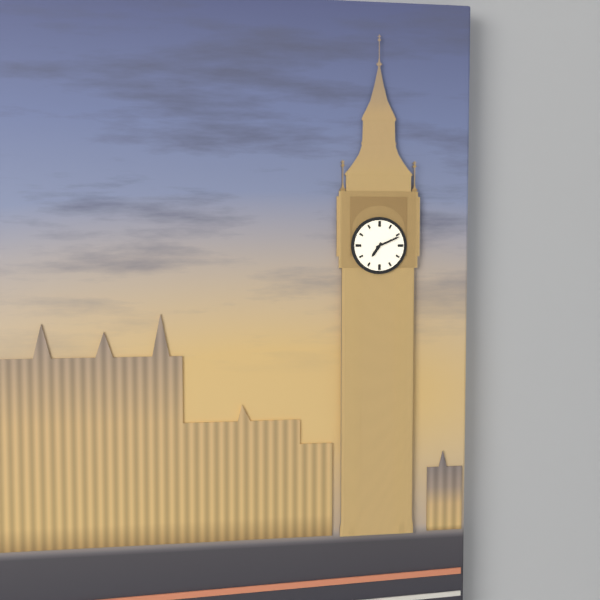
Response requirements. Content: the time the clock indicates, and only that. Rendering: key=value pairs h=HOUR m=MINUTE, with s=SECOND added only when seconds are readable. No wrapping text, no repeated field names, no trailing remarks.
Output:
h=7 m=11
